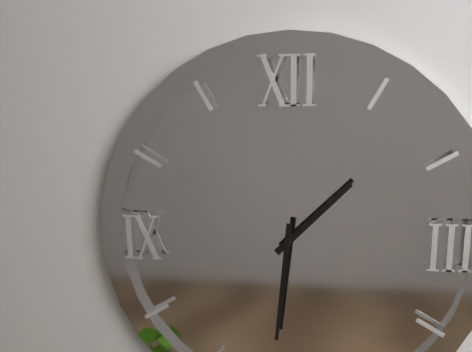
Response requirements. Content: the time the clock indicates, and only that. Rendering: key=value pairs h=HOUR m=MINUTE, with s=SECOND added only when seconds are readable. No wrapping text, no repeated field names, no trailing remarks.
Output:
h=1 m=31
